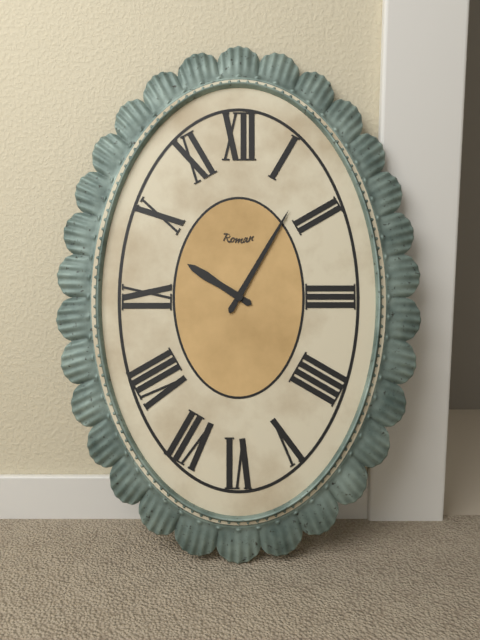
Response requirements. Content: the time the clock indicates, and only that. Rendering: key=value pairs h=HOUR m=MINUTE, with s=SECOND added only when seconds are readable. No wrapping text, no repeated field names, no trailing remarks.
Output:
h=10 m=5
